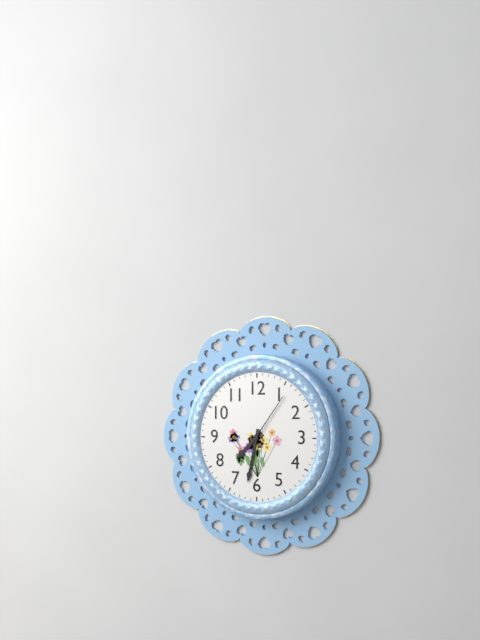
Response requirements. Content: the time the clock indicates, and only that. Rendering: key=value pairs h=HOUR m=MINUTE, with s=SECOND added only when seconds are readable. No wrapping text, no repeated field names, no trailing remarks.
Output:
h=7 m=32 s=6
